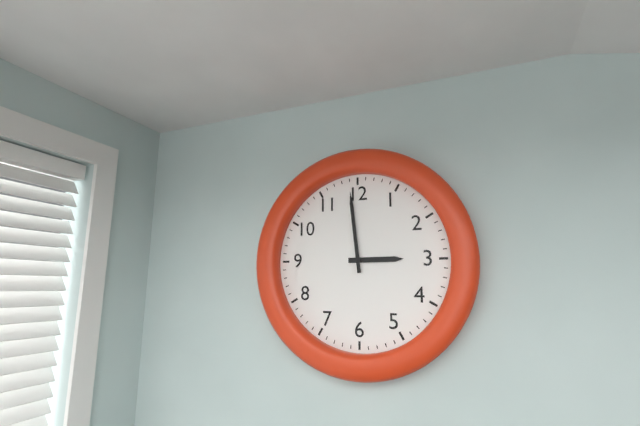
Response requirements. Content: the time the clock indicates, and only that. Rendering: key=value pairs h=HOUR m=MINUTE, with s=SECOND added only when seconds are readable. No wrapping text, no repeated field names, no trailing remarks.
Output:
h=2 m=59
